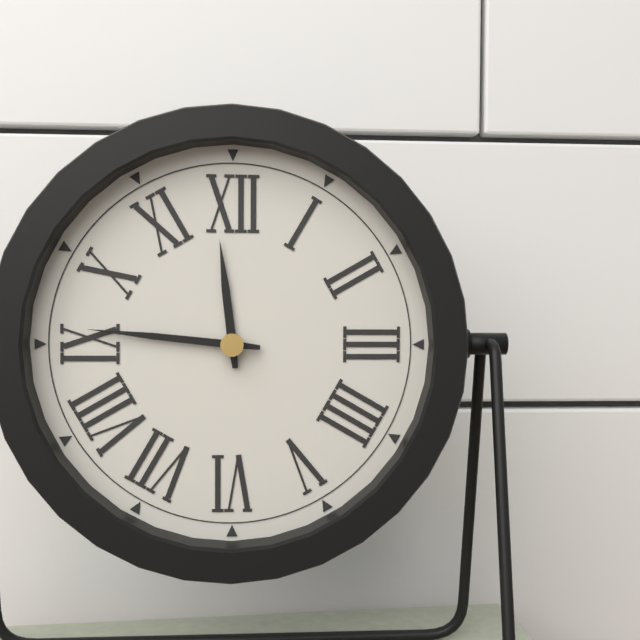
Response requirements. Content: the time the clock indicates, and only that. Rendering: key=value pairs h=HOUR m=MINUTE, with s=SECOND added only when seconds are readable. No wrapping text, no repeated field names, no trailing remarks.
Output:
h=11 m=46
